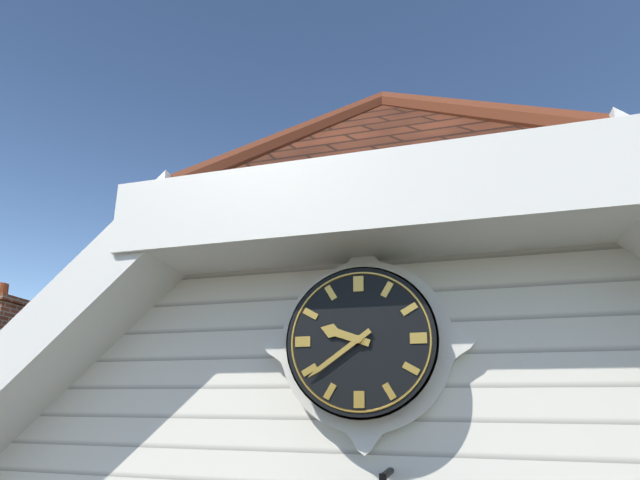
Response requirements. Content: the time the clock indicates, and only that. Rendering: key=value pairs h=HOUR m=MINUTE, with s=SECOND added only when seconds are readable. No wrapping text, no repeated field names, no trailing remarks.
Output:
h=9 m=39
